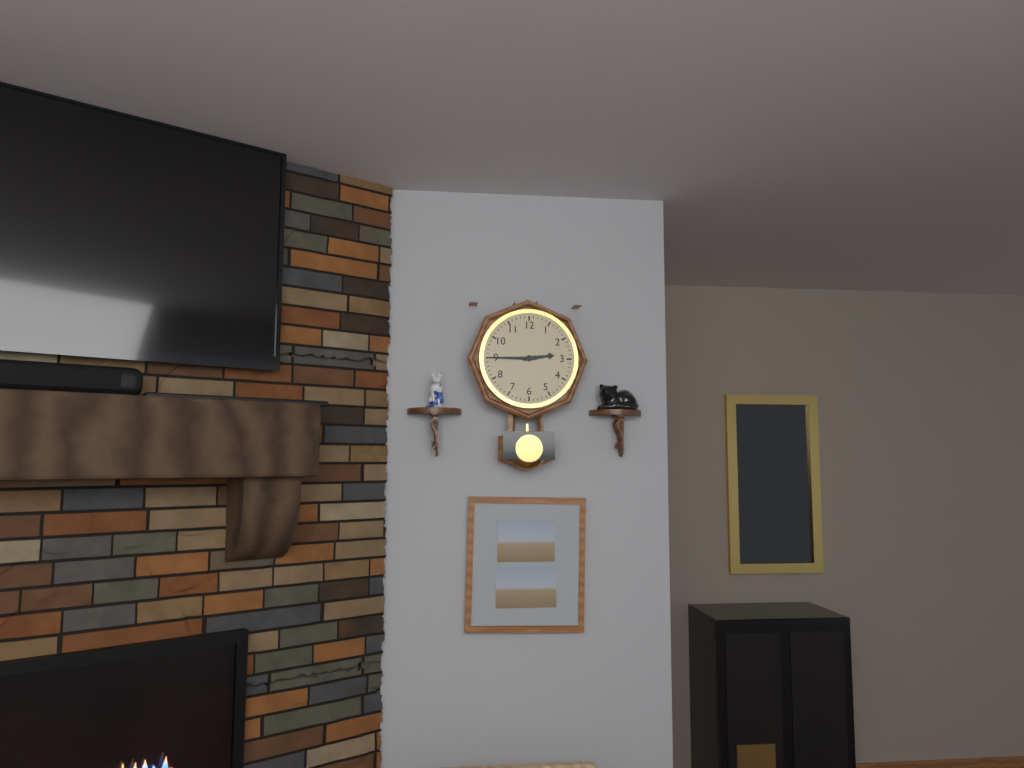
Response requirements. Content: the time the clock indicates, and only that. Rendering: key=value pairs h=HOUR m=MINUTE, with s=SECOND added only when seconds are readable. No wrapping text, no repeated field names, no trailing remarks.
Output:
h=2 m=45
